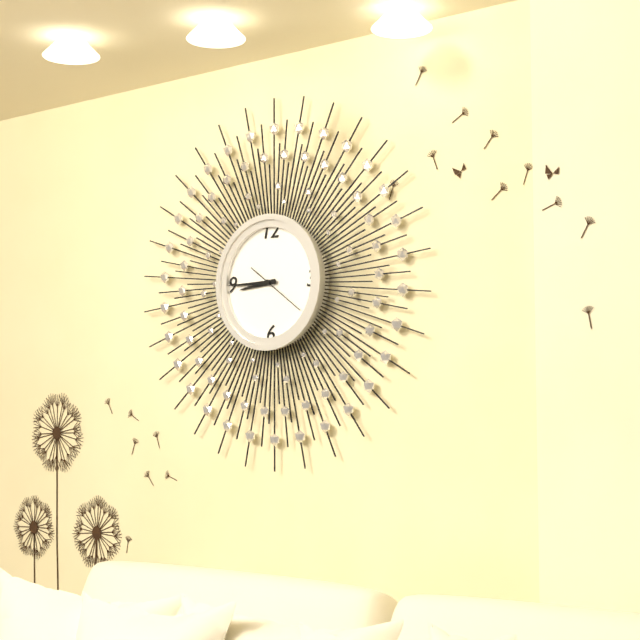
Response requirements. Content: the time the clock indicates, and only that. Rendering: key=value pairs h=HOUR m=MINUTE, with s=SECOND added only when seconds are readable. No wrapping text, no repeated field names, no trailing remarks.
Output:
h=8 m=45 s=21
